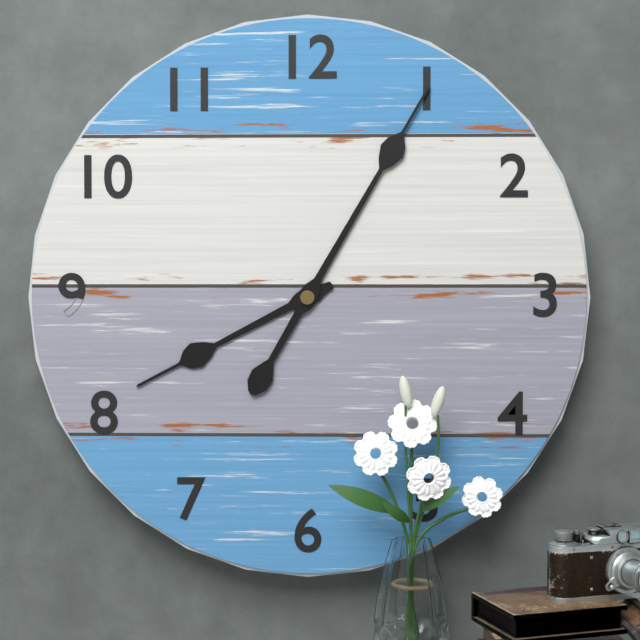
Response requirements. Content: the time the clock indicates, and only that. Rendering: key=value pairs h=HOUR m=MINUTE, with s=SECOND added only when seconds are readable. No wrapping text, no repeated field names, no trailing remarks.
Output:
h=8 m=5
